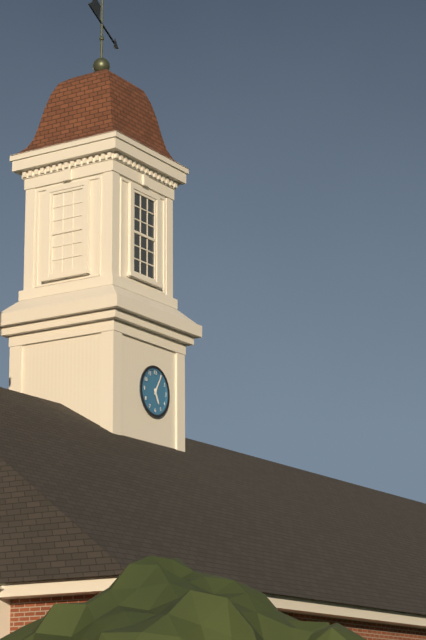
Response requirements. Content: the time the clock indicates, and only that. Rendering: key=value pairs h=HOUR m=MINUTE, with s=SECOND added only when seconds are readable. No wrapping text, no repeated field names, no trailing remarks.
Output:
h=5 m=5
